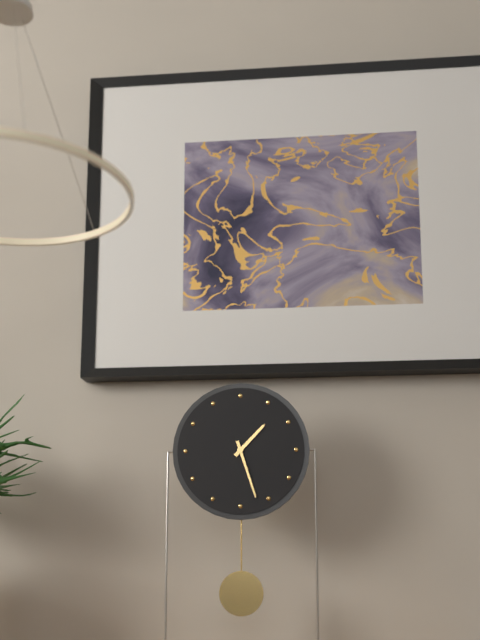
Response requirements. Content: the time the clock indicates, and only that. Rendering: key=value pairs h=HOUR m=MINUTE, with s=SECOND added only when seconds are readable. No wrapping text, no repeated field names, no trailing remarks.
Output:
h=1 m=27
